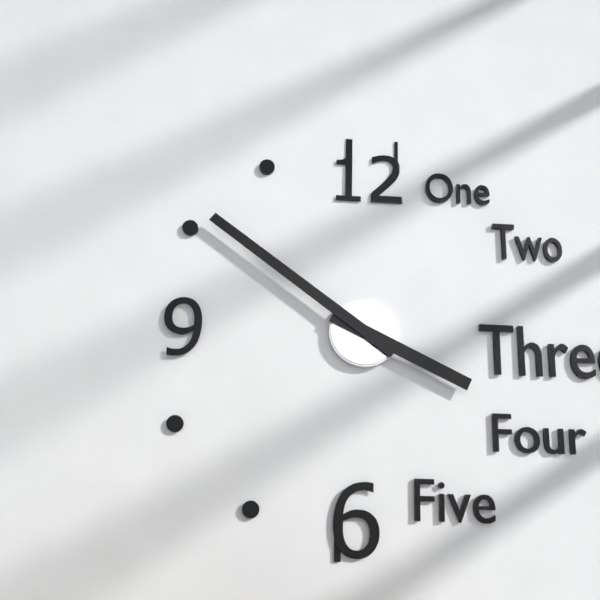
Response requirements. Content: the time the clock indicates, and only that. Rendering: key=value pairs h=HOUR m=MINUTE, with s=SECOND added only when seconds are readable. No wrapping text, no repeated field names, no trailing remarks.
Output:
h=3 m=51
